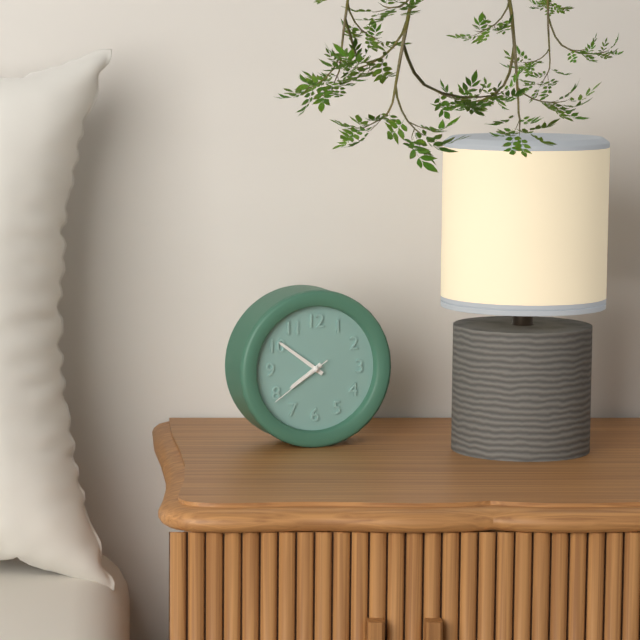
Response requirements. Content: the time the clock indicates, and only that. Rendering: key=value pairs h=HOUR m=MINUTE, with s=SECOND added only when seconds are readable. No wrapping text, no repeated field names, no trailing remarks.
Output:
h=7 m=51 s=39
